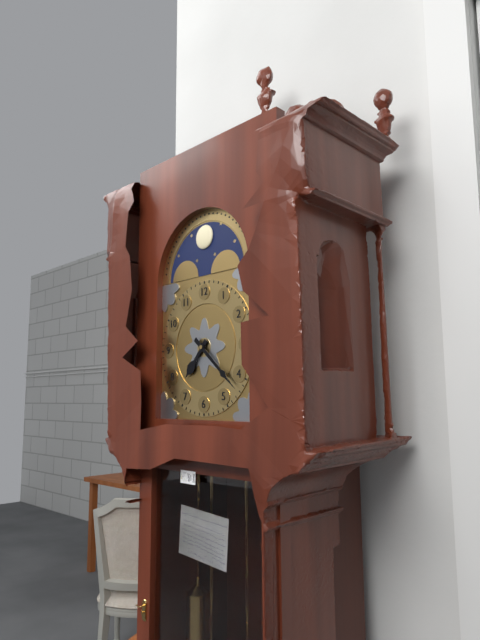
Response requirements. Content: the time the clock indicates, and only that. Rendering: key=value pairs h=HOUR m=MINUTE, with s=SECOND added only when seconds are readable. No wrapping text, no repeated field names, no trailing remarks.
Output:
h=7 m=22
